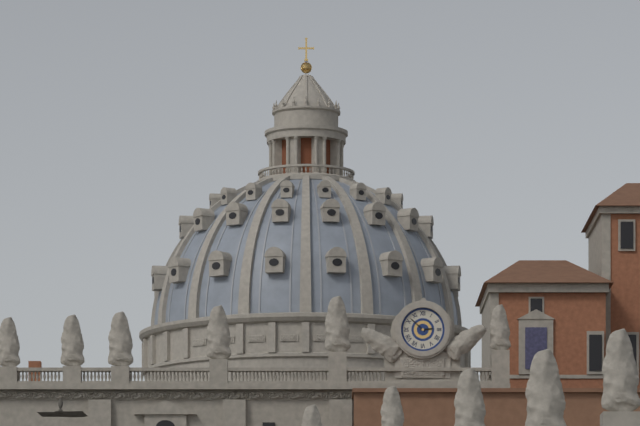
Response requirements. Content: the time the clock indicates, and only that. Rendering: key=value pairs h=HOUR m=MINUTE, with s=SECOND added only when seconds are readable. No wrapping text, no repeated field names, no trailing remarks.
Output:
h=2 m=52
